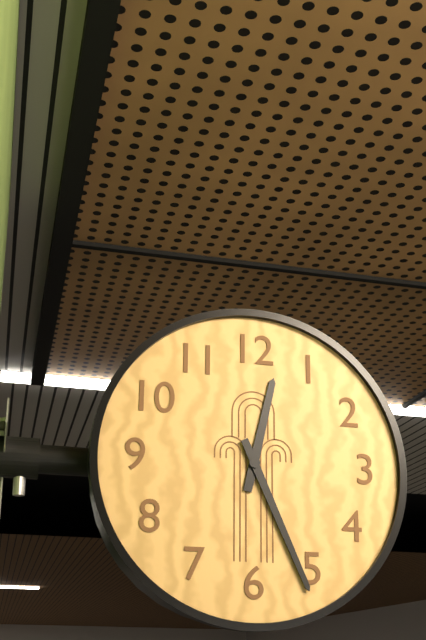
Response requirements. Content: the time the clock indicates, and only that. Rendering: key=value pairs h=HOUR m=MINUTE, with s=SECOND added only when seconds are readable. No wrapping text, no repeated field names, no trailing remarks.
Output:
h=12 m=26
